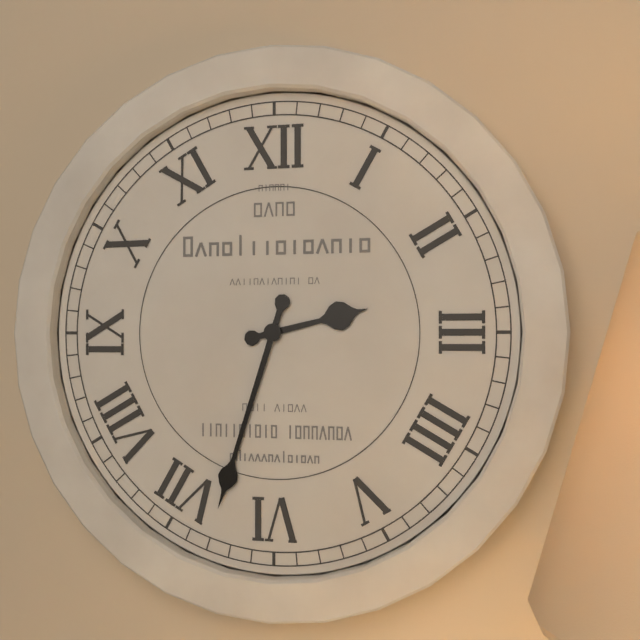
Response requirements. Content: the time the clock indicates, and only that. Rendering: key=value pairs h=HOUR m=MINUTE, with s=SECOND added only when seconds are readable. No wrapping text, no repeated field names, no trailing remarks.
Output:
h=2 m=33
